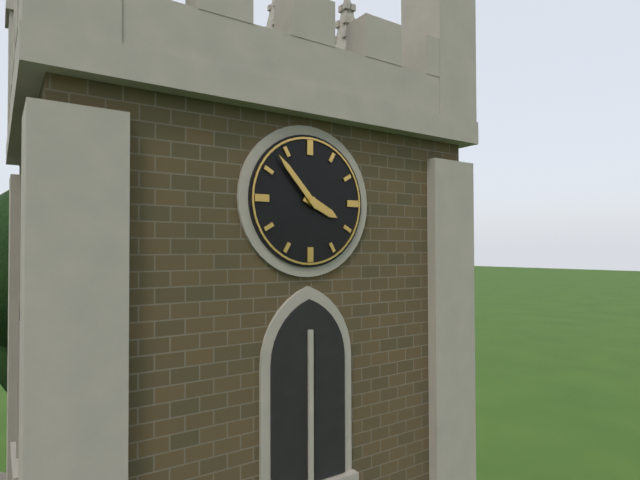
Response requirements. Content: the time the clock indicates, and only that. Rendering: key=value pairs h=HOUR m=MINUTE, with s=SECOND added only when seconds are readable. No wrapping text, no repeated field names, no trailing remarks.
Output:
h=3 m=53
